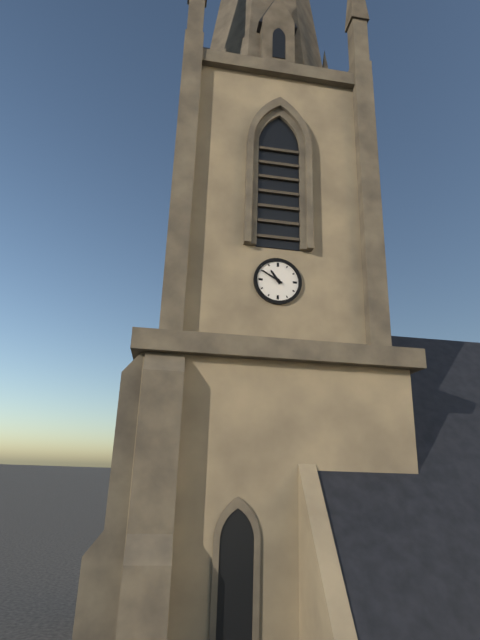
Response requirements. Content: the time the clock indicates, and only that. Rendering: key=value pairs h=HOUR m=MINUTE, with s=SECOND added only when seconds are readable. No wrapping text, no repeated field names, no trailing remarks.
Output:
h=10 m=50
